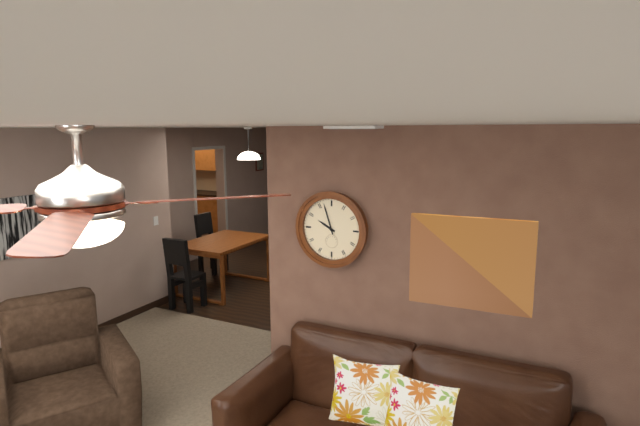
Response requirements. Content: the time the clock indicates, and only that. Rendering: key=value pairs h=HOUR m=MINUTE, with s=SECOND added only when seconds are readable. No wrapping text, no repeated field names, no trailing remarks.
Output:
h=9 m=57
